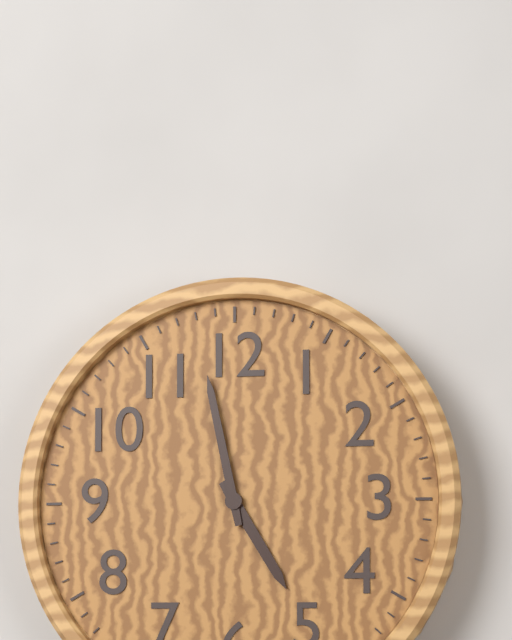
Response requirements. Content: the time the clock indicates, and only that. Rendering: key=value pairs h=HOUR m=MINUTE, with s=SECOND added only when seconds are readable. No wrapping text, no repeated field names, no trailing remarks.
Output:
h=4 m=58
